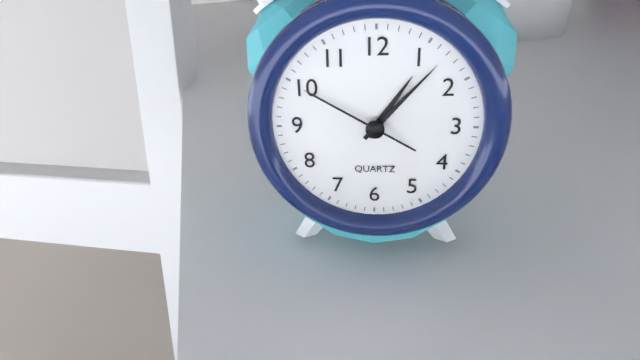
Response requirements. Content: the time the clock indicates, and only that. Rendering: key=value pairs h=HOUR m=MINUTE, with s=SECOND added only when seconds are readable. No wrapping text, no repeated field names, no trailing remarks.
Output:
h=1 m=7 s=50
